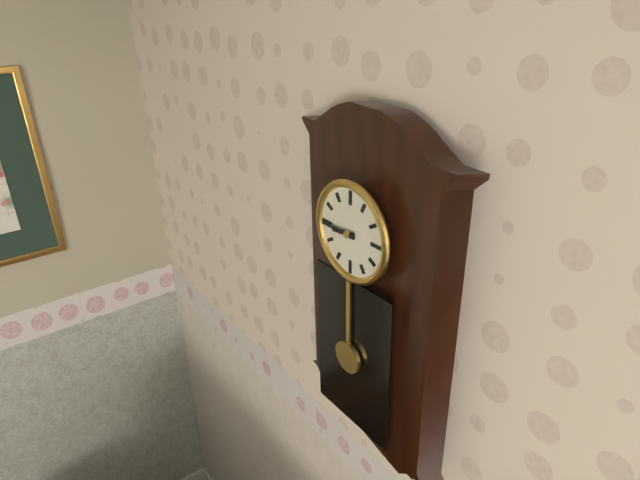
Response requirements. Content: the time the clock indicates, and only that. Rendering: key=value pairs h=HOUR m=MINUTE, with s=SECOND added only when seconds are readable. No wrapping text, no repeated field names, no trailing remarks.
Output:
h=8 m=45
